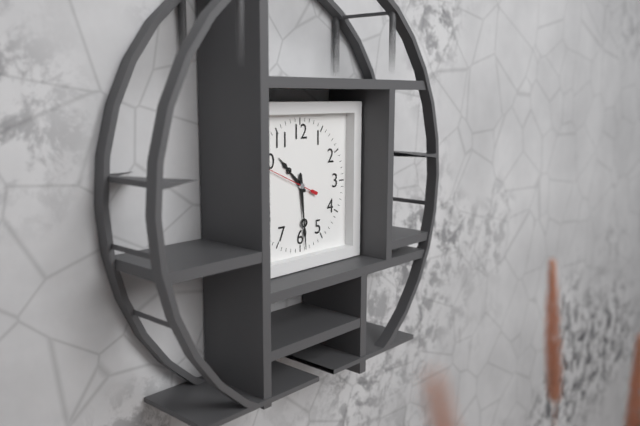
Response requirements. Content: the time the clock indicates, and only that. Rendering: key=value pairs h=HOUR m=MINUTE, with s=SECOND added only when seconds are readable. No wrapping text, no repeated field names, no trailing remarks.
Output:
h=10 m=29 s=49
